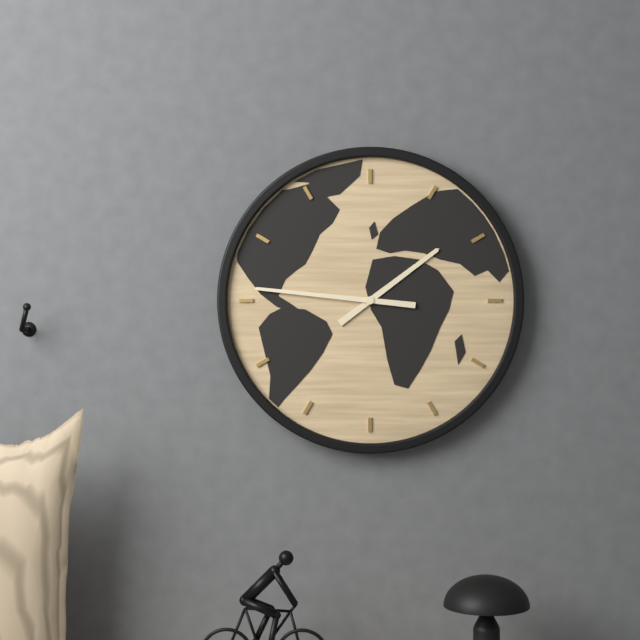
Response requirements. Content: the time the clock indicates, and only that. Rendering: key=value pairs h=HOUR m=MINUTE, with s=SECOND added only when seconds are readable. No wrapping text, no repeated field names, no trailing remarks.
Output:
h=1 m=46
